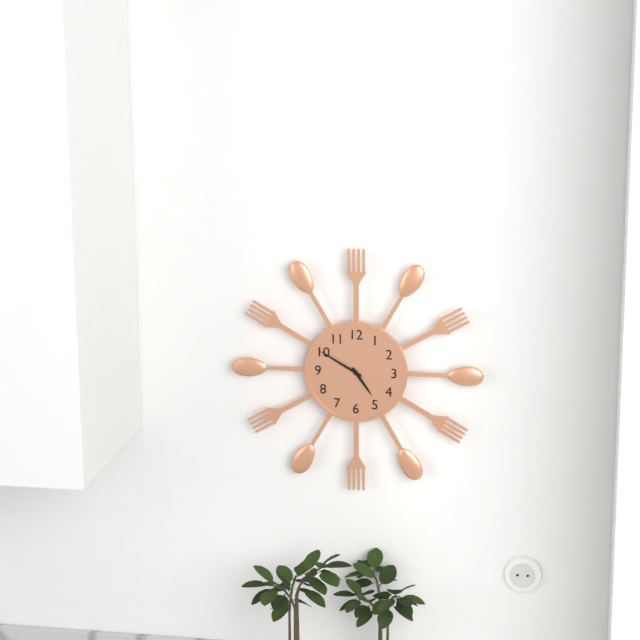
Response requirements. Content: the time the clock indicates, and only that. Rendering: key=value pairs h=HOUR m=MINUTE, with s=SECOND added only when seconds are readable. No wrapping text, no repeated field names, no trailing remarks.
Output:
h=4 m=50
